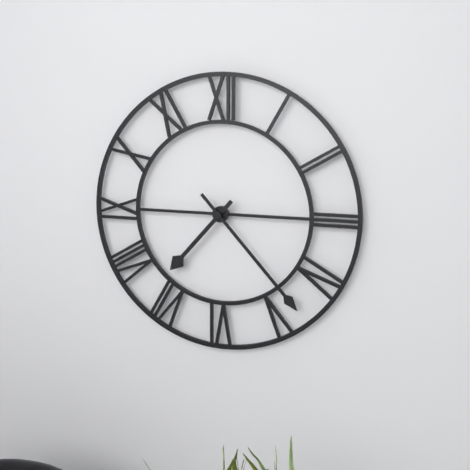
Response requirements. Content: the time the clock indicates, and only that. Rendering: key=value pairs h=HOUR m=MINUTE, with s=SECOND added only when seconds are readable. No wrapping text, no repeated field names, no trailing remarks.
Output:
h=7 m=23
